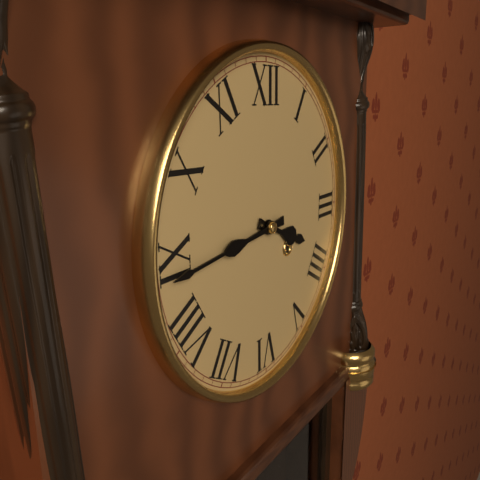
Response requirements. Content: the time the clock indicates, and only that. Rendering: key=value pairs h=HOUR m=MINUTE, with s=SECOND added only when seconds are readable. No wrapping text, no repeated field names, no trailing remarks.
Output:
h=3 m=44
